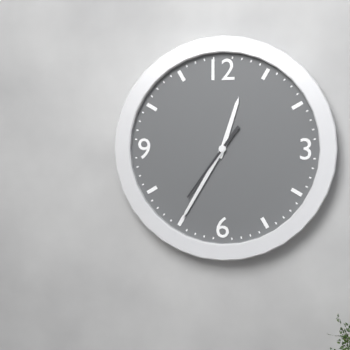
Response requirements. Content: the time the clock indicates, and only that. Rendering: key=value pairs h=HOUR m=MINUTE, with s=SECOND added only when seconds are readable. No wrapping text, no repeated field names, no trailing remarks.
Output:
h=12 m=35 s=36
